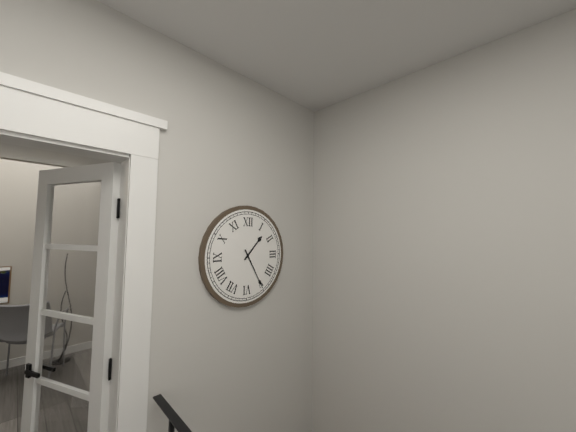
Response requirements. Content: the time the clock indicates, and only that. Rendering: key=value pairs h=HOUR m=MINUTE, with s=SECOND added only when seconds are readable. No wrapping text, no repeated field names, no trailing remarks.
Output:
h=1 m=25
